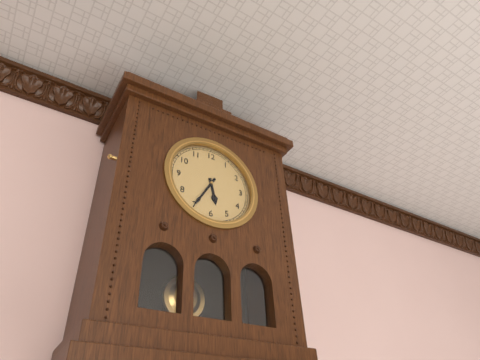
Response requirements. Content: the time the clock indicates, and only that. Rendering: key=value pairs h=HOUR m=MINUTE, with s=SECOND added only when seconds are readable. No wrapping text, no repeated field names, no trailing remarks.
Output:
h=5 m=35
